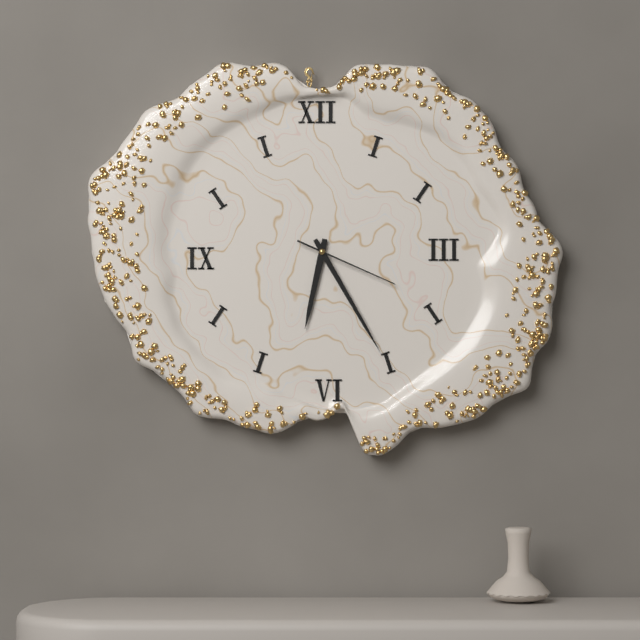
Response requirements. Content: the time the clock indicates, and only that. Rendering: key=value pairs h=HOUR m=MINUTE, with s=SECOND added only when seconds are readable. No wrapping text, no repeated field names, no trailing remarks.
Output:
h=6 m=25 s=19
